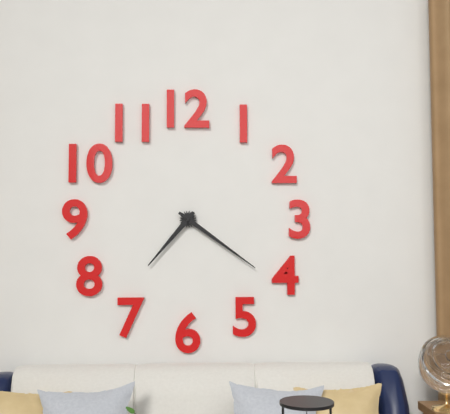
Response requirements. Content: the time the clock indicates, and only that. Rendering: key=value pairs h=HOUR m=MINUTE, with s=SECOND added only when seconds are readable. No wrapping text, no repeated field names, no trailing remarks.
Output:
h=7 m=21
